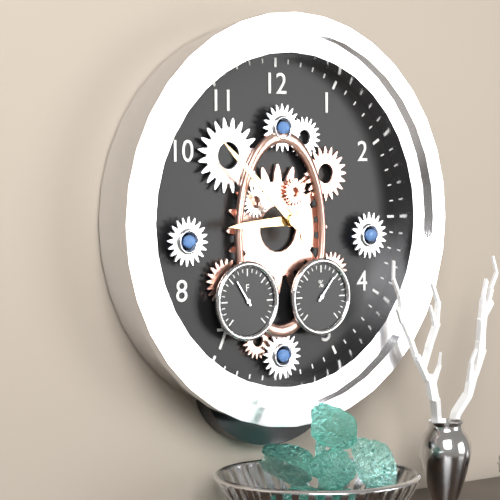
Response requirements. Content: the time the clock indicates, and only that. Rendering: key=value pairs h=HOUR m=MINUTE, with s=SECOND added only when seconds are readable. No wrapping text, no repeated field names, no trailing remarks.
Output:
h=8 m=52
